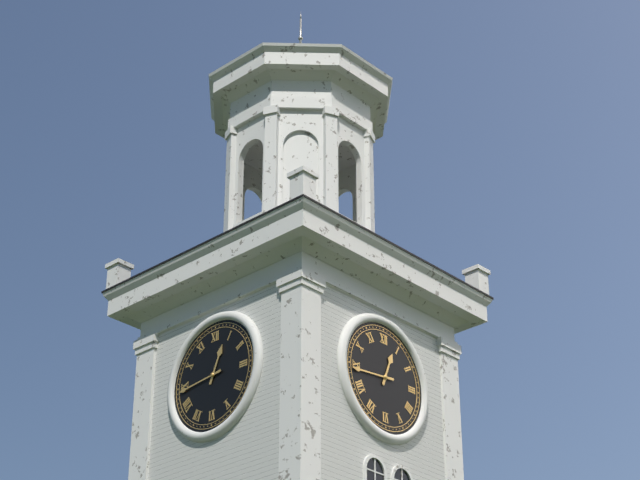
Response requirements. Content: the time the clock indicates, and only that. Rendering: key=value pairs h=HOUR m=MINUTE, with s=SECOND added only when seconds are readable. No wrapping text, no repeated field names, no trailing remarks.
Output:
h=12 m=44
